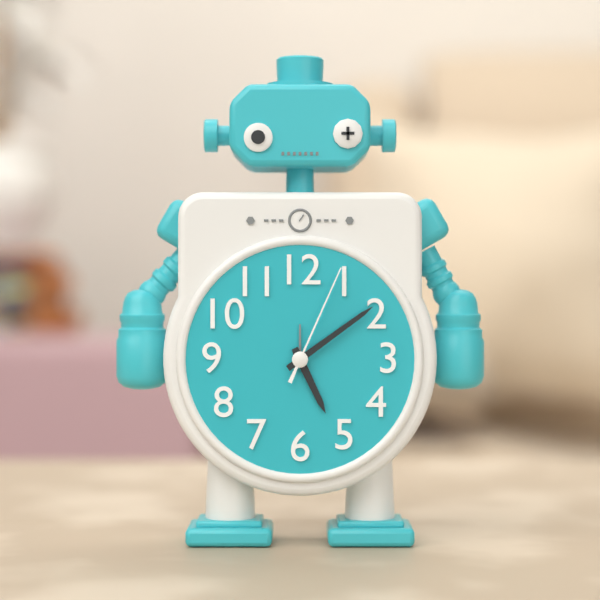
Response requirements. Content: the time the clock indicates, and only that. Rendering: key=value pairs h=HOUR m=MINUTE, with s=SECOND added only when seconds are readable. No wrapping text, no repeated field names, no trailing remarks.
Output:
h=5 m=9 s=4
